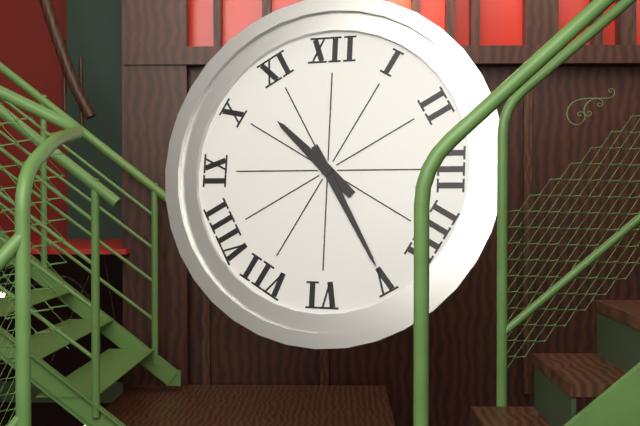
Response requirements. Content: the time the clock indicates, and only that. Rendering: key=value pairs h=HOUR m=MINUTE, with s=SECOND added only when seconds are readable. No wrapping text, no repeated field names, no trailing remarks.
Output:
h=10 m=25
